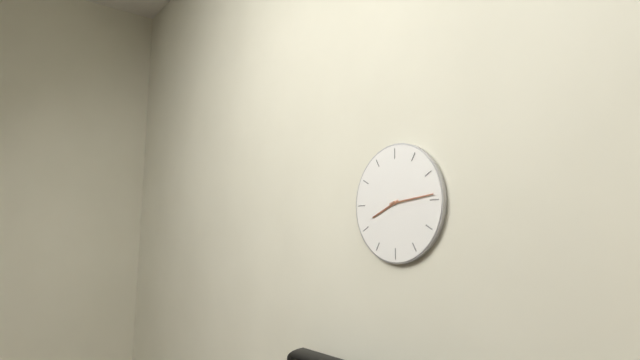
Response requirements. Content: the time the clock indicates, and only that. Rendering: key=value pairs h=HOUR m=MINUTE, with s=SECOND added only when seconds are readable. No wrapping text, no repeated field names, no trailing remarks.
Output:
h=8 m=14
